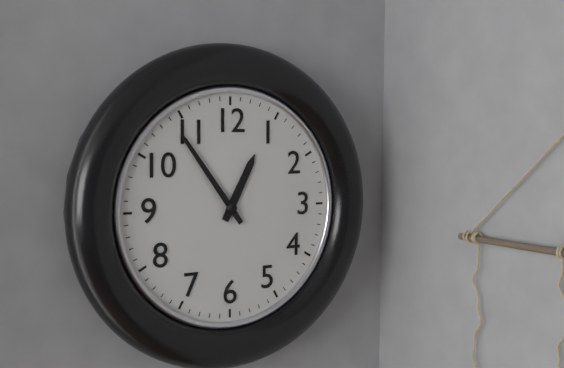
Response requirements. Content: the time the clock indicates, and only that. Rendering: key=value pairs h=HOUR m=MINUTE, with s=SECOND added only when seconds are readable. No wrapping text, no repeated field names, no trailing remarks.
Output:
h=12 m=54
